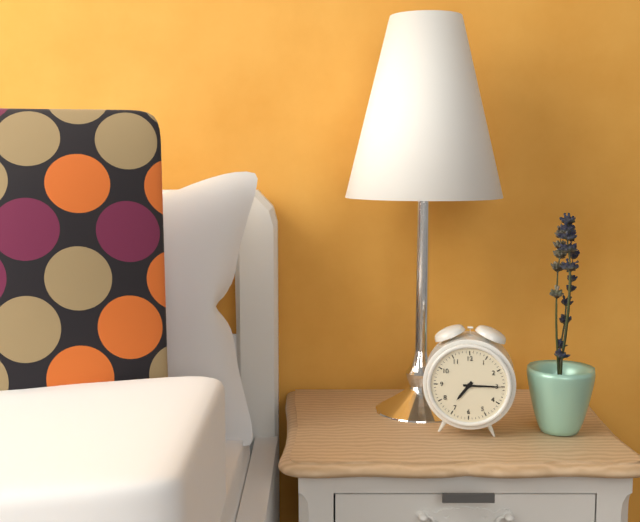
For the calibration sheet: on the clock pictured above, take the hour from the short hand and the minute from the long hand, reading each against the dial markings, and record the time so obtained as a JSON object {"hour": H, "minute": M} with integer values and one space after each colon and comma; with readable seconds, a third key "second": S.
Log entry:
{"hour": 7, "minute": 15}
